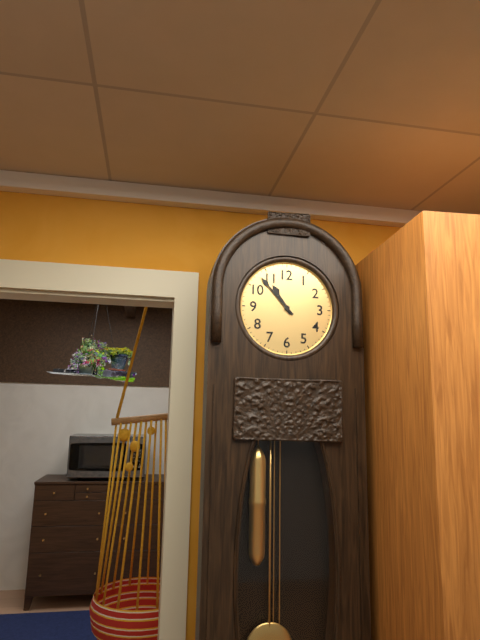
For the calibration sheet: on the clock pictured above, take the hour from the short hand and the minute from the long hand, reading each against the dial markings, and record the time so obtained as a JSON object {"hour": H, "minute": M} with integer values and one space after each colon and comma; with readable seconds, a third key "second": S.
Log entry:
{"hour": 10, "minute": 53}
